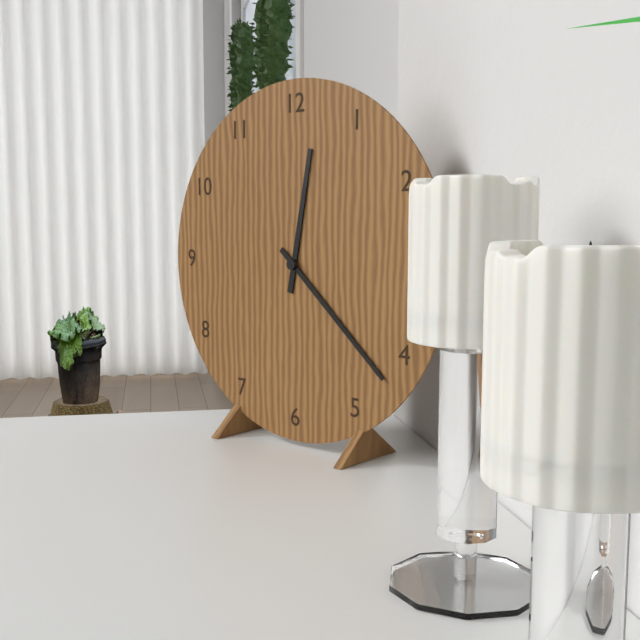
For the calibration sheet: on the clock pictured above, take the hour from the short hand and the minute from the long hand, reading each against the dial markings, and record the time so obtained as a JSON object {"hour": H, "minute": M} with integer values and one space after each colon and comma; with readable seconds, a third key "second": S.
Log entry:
{"hour": 12, "minute": 22}
